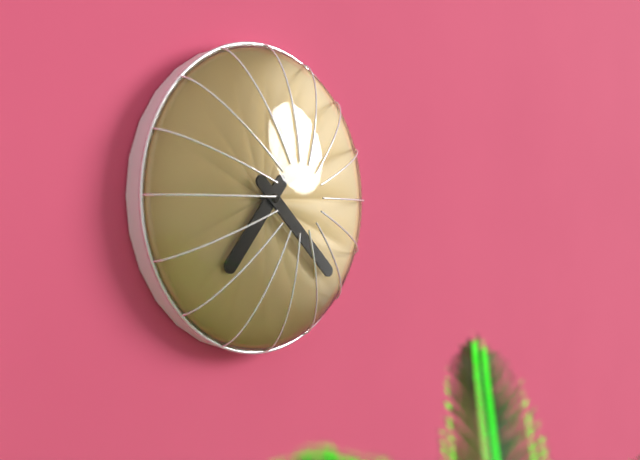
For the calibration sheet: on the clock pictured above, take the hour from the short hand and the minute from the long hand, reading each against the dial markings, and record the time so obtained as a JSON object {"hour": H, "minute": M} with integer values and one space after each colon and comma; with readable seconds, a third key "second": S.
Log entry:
{"hour": 7, "minute": 22}
